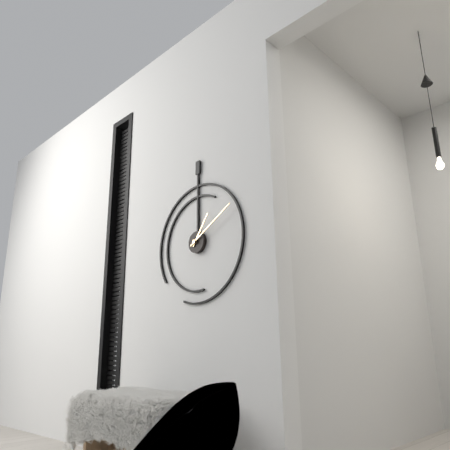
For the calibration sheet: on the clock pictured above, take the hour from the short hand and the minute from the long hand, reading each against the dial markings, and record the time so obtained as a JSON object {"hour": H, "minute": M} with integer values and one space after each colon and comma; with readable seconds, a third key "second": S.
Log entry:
{"hour": 1, "minute": 10}
